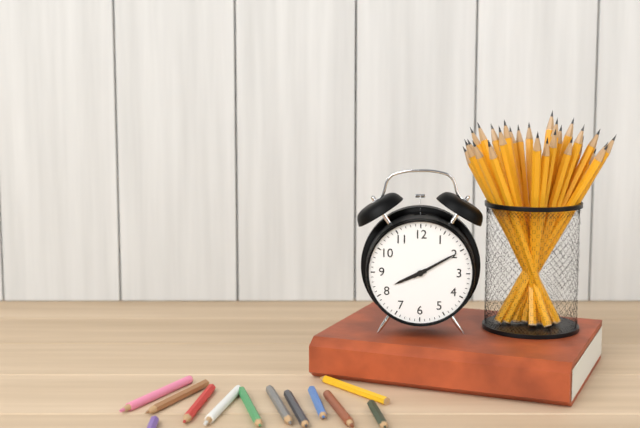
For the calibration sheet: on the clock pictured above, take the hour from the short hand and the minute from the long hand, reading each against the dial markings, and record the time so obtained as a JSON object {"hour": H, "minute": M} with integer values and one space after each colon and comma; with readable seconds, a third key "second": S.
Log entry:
{"hour": 8, "minute": 10}
